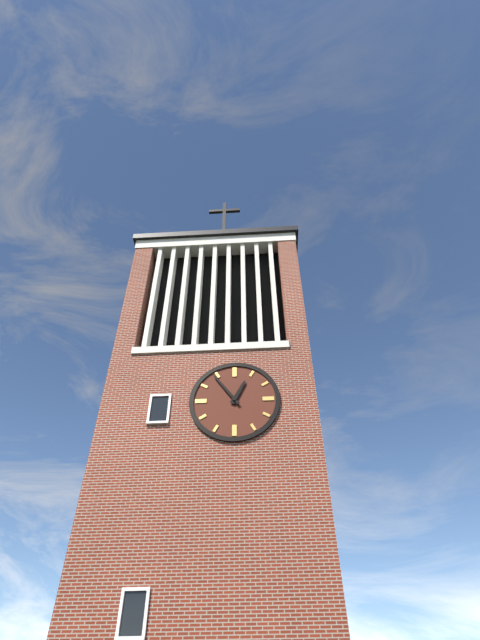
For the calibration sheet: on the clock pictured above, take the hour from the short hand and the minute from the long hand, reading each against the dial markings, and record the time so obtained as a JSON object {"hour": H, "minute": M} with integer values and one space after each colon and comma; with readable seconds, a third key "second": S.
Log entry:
{"hour": 12, "minute": 54}
